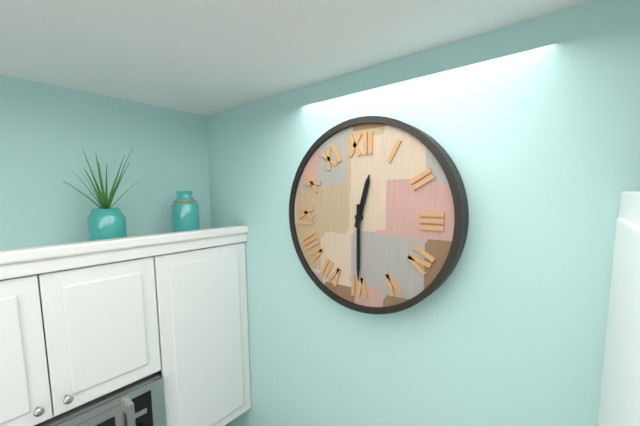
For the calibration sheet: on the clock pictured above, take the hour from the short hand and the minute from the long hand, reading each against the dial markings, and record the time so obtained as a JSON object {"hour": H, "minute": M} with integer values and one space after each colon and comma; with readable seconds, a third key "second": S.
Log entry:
{"hour": 12, "minute": 30}
